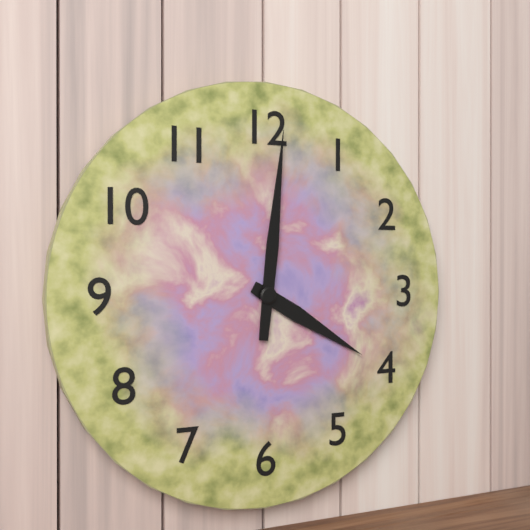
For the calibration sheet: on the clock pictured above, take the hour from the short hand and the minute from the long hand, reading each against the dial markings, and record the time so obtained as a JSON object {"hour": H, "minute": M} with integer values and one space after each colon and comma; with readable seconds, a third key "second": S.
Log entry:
{"hour": 4, "minute": 1}
